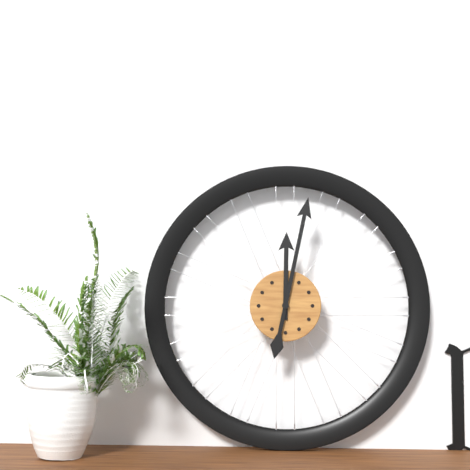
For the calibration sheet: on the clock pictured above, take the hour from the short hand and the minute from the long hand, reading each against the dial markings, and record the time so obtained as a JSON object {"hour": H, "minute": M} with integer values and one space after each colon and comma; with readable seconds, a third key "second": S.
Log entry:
{"hour": 12, "minute": 2}
